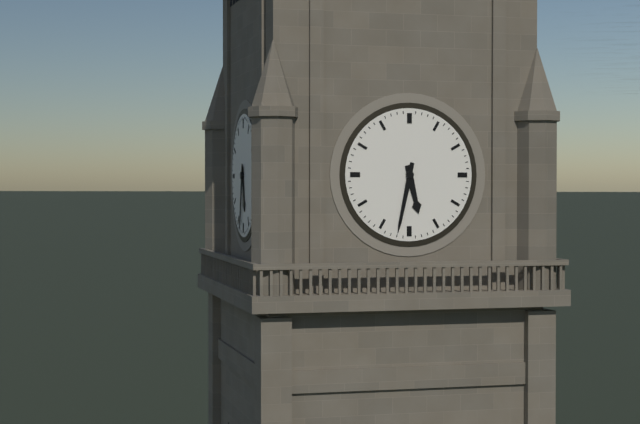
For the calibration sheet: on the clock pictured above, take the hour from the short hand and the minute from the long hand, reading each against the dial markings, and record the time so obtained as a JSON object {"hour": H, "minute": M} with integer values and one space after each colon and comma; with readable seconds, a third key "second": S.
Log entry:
{"hour": 5, "minute": 32}
